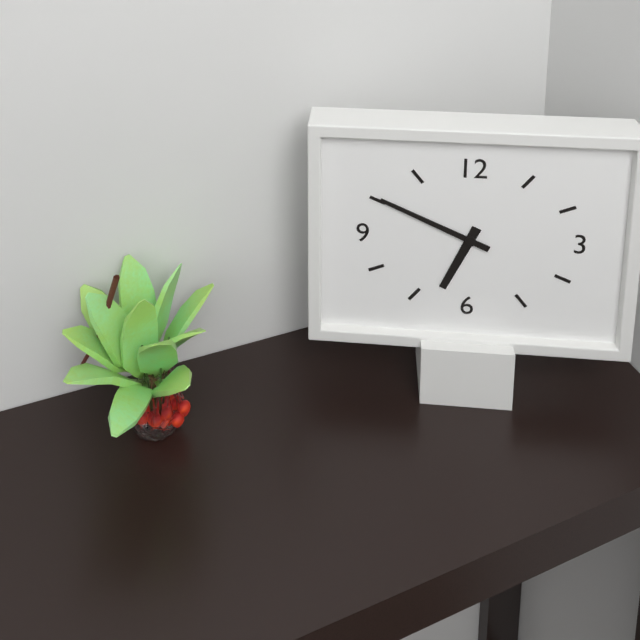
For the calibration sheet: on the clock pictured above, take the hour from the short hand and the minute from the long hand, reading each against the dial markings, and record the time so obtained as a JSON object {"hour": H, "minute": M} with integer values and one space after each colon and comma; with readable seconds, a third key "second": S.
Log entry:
{"hour": 6, "minute": 49}
